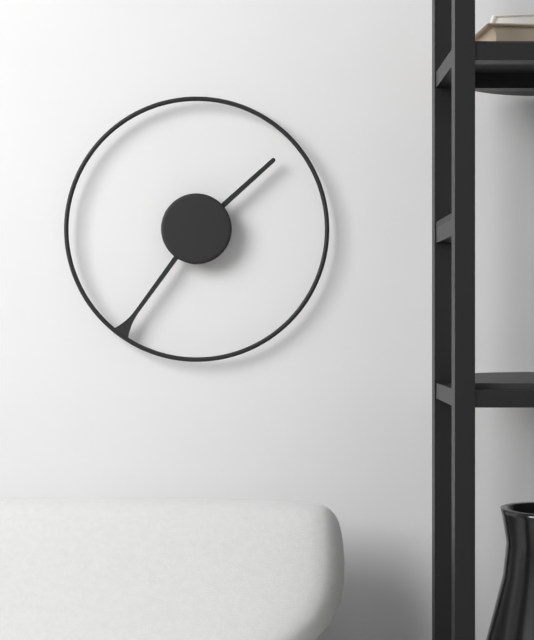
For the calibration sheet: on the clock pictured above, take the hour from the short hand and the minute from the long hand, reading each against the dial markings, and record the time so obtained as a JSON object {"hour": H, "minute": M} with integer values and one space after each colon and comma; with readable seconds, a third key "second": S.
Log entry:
{"hour": 1, "minute": 36}
